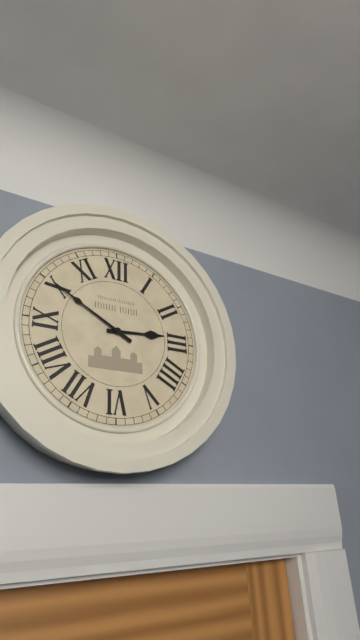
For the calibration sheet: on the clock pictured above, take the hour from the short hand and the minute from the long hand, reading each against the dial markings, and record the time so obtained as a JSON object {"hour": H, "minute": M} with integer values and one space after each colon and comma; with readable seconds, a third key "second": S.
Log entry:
{"hour": 2, "minute": 50}
